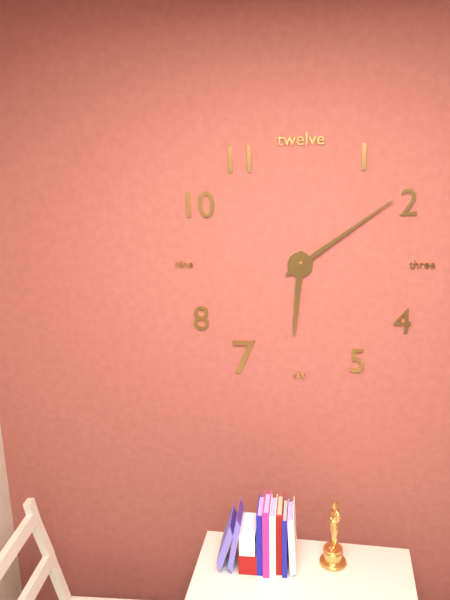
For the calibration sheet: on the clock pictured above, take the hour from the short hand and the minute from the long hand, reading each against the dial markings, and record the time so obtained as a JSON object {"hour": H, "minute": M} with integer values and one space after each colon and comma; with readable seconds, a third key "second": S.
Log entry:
{"hour": 6, "minute": 9}
